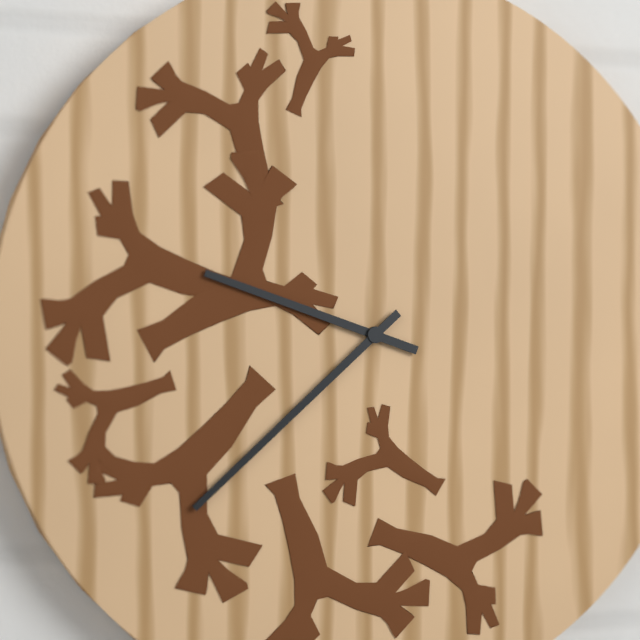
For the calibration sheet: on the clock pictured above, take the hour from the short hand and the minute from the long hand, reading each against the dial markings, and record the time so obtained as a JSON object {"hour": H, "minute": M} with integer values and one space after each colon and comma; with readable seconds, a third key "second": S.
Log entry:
{"hour": 9, "minute": 38}
